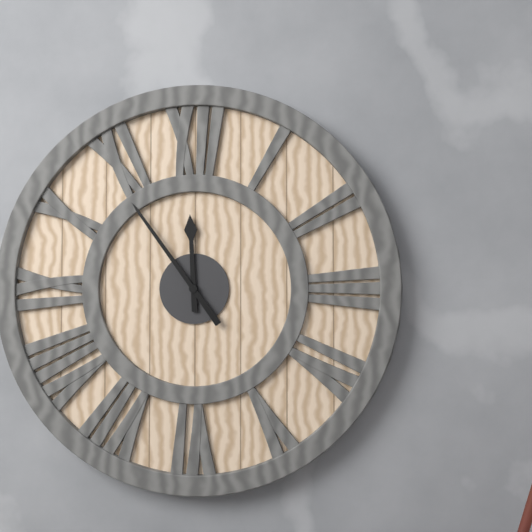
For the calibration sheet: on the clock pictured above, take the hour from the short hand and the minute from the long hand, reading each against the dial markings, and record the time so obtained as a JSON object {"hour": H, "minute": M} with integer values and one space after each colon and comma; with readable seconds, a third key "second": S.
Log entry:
{"hour": 11, "minute": 54}
